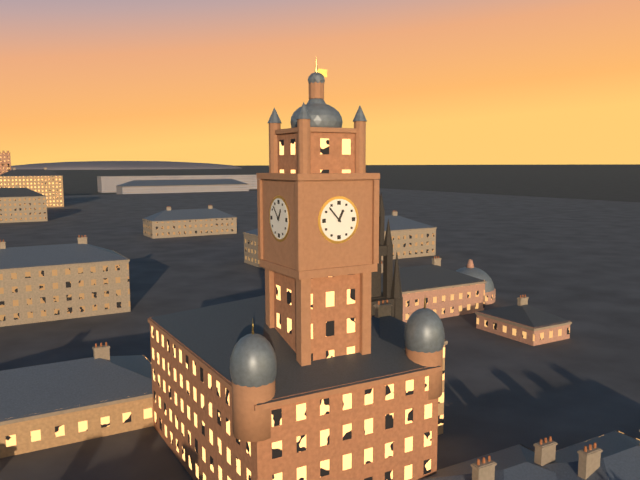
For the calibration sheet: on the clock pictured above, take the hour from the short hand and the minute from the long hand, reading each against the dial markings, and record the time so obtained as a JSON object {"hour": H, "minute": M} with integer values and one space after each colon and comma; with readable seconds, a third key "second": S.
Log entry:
{"hour": 12, "minute": 53}
